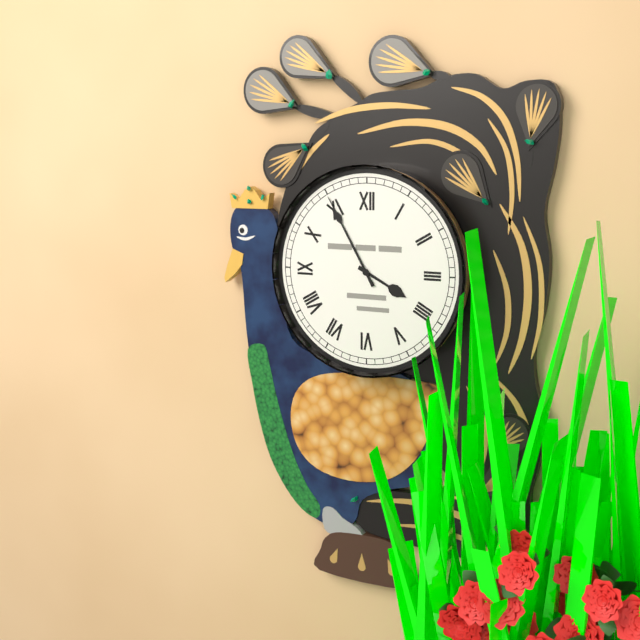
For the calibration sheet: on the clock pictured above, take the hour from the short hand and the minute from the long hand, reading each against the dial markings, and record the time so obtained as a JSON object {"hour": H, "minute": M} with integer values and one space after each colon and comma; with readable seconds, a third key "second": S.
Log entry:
{"hour": 3, "minute": 55}
